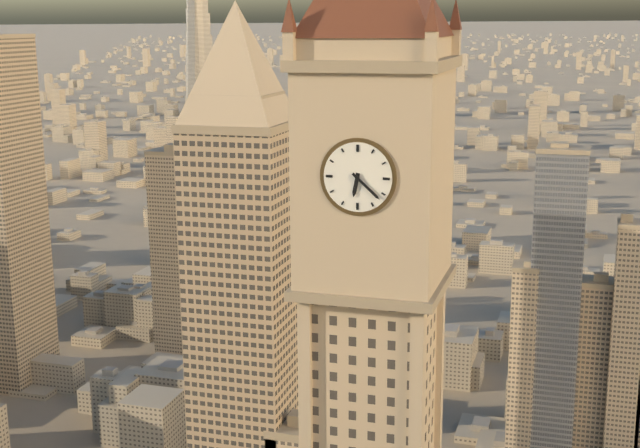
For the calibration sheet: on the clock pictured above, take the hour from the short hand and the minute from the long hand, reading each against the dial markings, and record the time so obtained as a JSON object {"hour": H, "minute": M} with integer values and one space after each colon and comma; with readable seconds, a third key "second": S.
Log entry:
{"hour": 6, "minute": 22}
